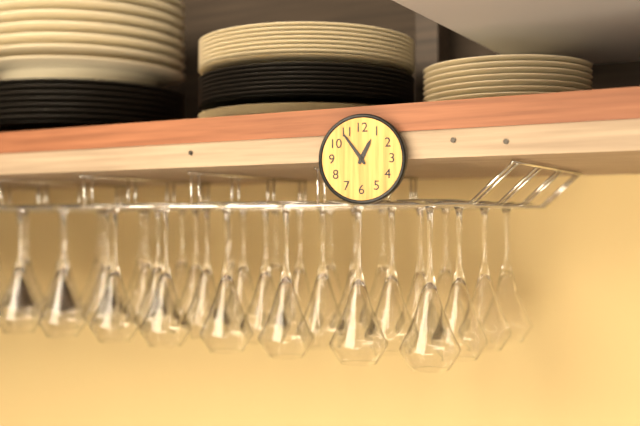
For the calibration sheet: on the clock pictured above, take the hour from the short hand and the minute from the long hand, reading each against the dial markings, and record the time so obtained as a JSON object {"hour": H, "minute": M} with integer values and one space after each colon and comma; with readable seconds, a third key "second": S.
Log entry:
{"hour": 12, "minute": 54}
